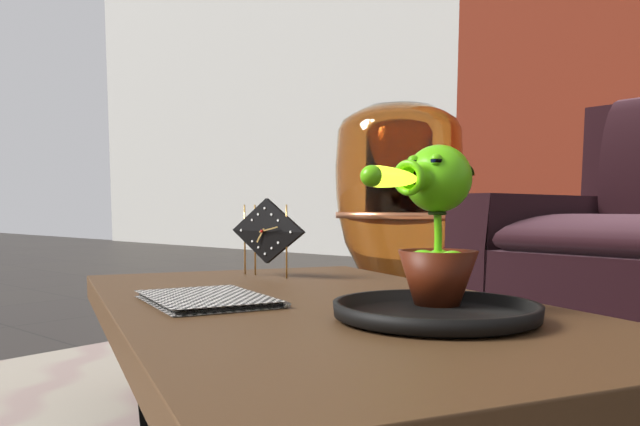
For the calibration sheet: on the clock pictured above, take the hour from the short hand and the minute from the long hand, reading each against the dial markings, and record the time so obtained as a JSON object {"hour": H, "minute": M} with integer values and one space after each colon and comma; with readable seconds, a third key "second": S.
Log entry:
{"hour": 7, "minute": 13}
